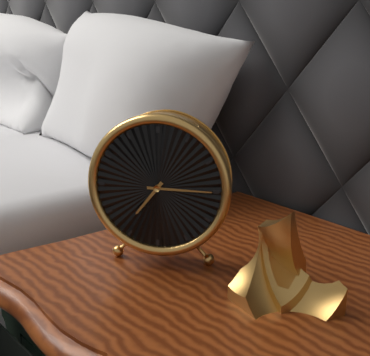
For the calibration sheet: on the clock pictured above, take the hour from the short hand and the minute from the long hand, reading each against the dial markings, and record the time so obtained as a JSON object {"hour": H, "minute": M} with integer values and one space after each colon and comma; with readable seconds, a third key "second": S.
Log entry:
{"hour": 7, "minute": 15}
